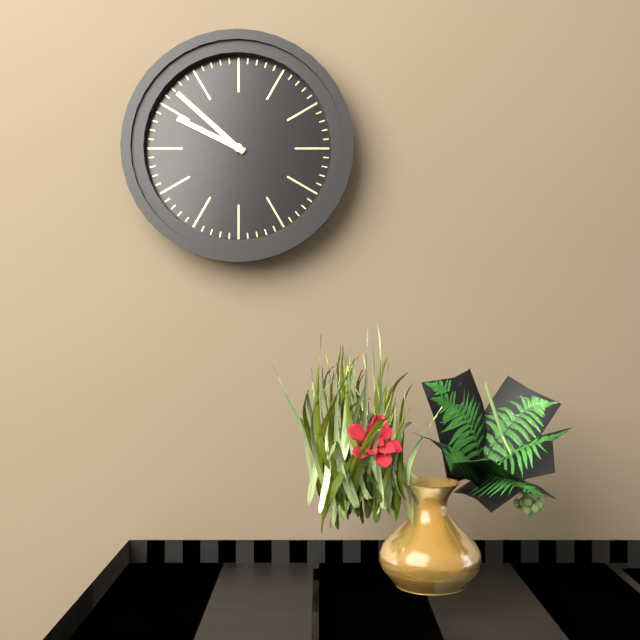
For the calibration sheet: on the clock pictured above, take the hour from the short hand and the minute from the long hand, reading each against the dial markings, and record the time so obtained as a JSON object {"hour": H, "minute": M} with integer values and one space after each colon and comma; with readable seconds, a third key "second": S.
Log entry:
{"hour": 9, "minute": 52}
